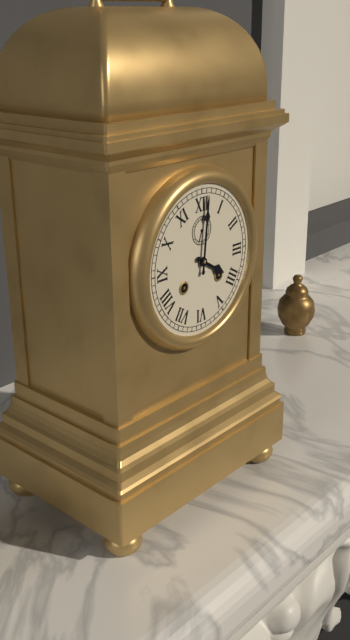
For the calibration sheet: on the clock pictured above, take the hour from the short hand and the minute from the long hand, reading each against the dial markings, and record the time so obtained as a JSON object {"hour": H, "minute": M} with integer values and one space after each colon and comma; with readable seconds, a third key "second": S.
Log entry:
{"hour": 4, "minute": 1}
